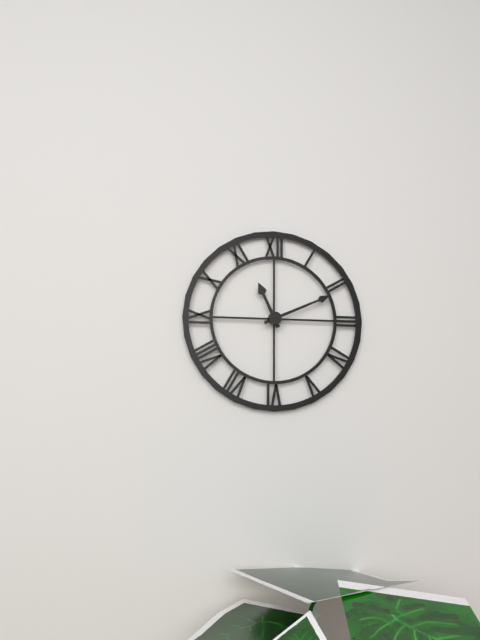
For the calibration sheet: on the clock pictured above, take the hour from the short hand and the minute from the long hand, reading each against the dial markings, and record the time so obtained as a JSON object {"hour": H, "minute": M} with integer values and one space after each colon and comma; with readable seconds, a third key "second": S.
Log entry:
{"hour": 11, "minute": 11}
